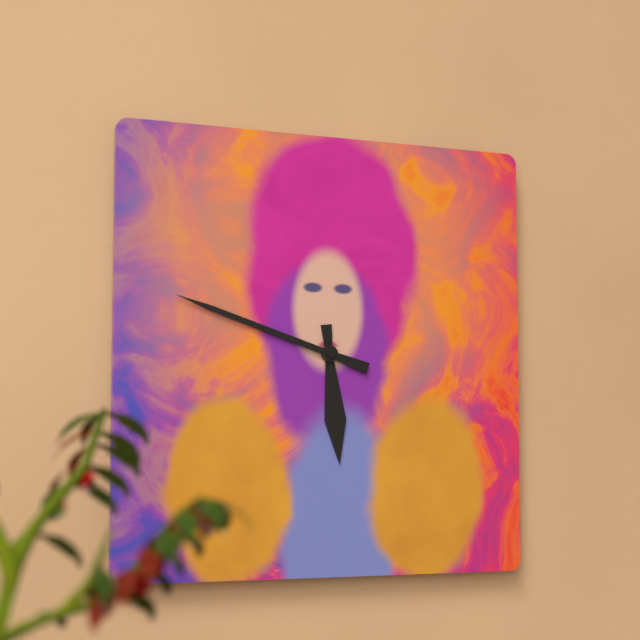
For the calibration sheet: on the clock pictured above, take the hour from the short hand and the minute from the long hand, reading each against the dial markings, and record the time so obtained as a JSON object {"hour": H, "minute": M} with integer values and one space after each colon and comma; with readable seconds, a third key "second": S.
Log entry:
{"hour": 5, "minute": 48}
